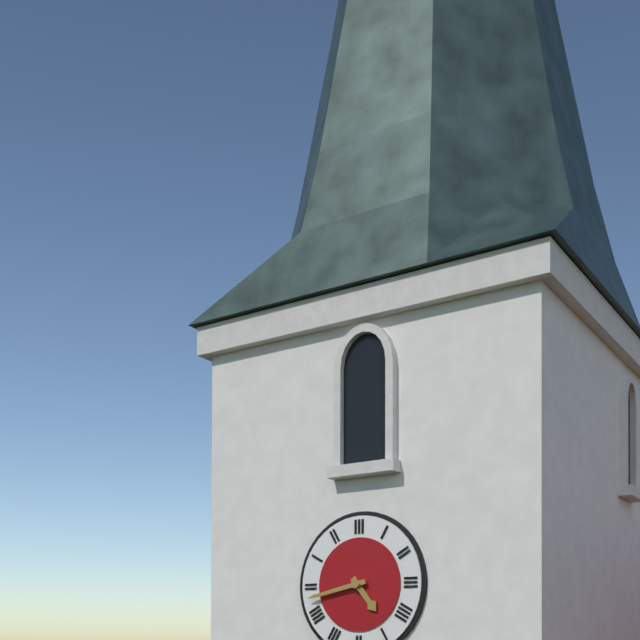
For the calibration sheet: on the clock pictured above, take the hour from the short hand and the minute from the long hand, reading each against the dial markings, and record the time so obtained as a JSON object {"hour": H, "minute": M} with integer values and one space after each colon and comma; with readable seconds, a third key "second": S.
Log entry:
{"hour": 4, "minute": 43}
